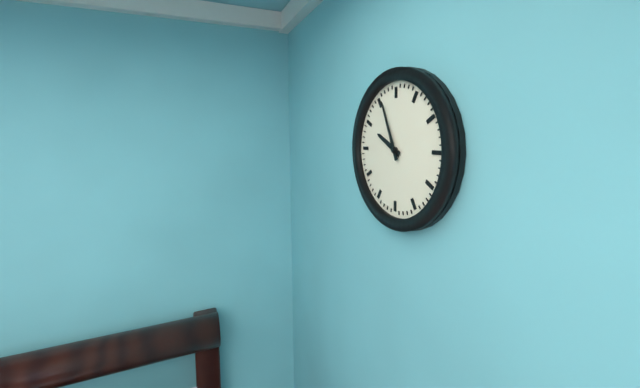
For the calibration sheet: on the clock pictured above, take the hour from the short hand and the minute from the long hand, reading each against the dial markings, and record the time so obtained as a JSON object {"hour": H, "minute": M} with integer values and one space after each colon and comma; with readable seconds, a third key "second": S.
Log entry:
{"hour": 9, "minute": 56}
